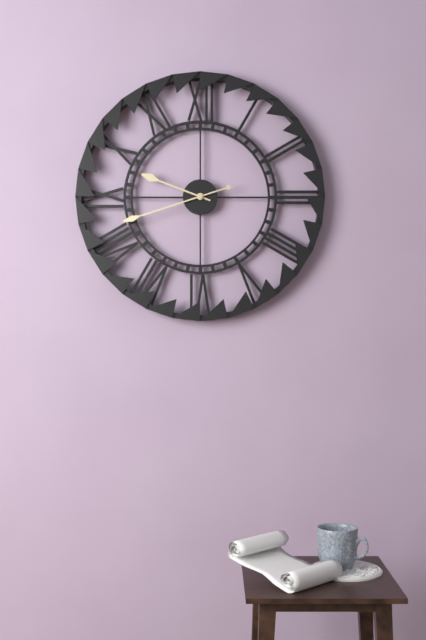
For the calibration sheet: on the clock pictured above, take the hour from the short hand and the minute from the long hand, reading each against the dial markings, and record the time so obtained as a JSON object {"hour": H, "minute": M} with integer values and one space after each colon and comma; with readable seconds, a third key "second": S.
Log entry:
{"hour": 9, "minute": 42}
